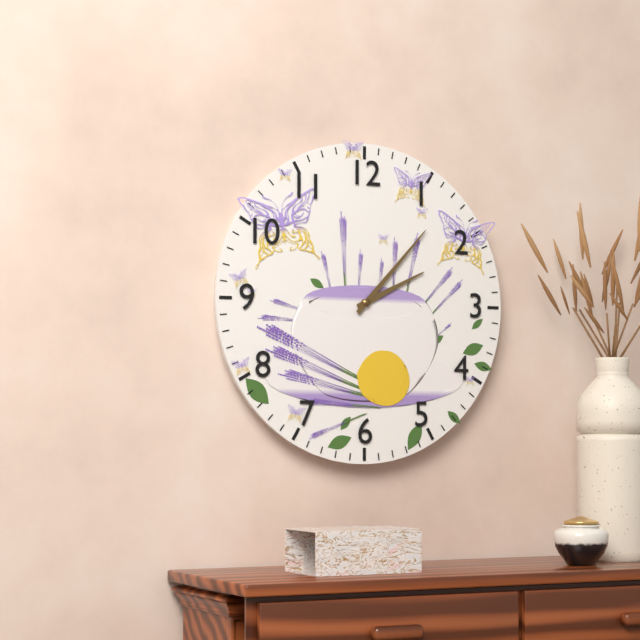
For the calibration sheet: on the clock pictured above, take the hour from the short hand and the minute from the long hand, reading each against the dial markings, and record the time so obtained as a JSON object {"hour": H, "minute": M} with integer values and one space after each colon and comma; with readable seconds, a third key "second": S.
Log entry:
{"hour": 2, "minute": 7}
